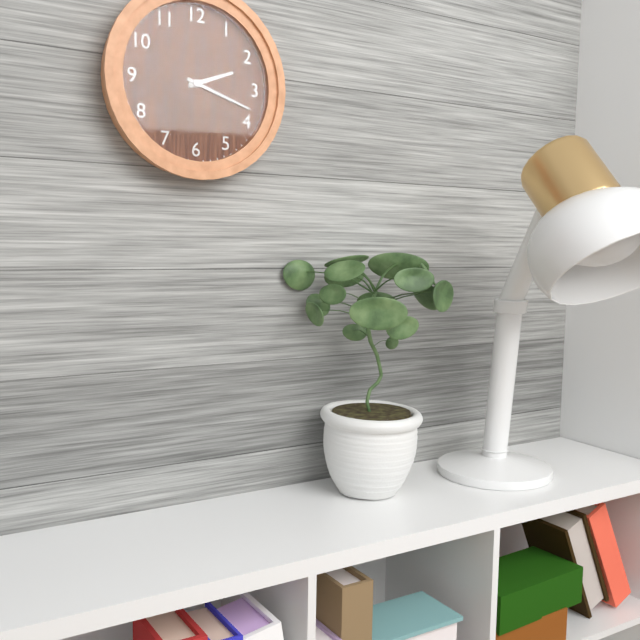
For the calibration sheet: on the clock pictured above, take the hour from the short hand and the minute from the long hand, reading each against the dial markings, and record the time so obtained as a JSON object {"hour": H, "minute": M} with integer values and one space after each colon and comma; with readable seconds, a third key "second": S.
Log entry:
{"hour": 2, "minute": 18}
